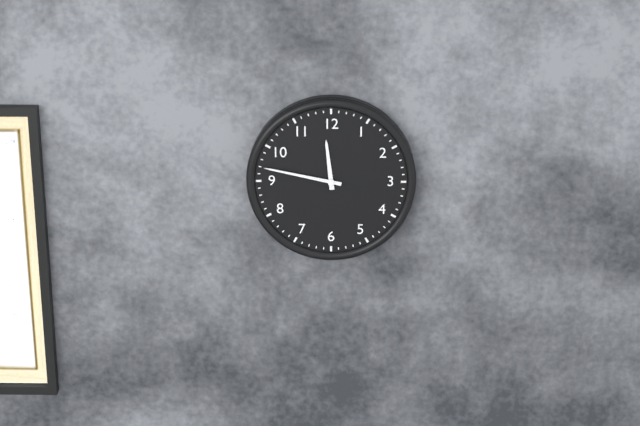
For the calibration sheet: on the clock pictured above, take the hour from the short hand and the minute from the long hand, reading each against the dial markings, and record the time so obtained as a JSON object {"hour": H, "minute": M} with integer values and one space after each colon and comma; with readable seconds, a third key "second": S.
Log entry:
{"hour": 11, "minute": 47}
